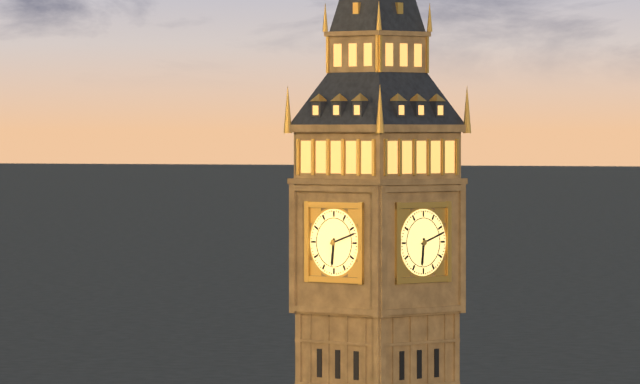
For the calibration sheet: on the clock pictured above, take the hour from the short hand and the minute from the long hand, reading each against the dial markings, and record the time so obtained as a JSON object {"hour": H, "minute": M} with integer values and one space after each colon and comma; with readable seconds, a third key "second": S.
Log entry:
{"hour": 6, "minute": 12}
